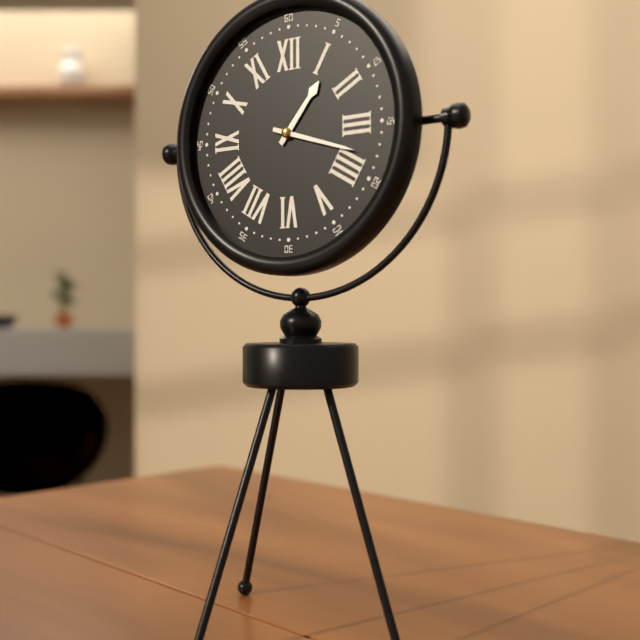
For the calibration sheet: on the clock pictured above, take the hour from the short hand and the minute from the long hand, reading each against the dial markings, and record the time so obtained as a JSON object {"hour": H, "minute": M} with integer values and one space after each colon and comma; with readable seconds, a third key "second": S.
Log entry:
{"hour": 1, "minute": 18}
